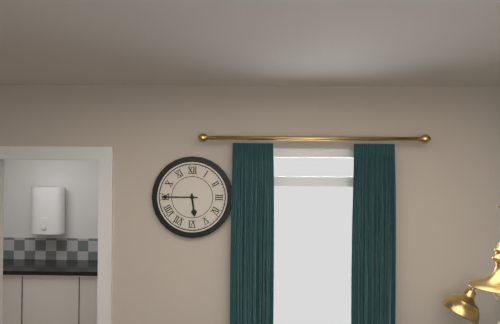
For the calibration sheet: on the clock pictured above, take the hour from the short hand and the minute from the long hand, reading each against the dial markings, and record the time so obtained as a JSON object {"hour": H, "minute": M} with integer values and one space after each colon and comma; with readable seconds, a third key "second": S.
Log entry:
{"hour": 5, "minute": 45}
